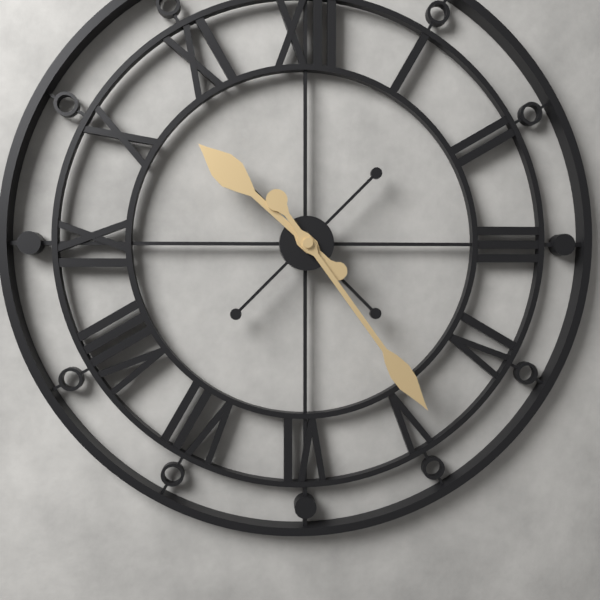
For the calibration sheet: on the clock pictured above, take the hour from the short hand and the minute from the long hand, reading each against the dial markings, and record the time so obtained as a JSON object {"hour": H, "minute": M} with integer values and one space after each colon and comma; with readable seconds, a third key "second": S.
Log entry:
{"hour": 10, "minute": 24}
